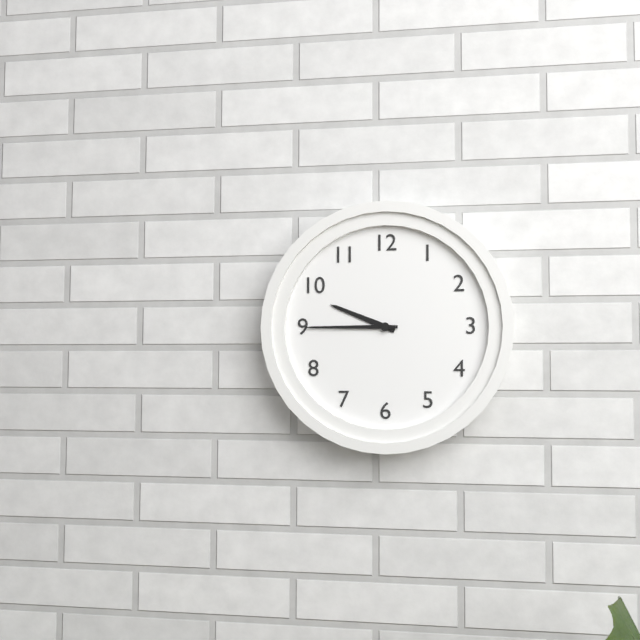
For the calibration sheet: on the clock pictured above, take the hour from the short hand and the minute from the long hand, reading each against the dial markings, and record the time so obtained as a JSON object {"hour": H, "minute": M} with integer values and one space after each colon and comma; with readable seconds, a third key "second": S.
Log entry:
{"hour": 9, "minute": 45}
